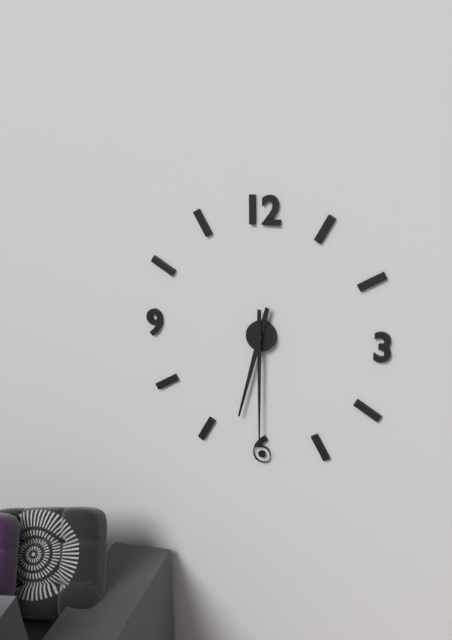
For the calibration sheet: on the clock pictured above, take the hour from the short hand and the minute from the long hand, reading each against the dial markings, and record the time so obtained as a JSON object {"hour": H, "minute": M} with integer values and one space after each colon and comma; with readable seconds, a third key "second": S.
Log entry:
{"hour": 6, "minute": 30}
